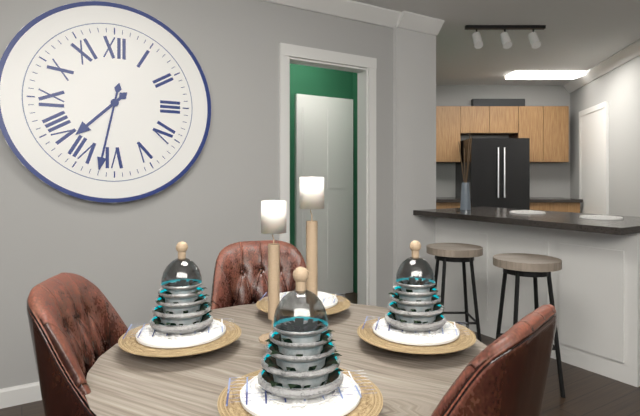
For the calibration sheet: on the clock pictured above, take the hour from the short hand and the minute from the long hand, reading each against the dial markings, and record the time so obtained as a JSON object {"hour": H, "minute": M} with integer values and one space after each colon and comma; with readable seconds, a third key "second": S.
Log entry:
{"hour": 7, "minute": 32}
